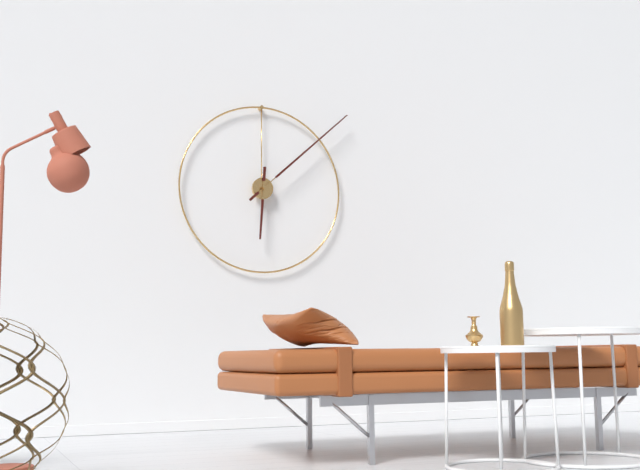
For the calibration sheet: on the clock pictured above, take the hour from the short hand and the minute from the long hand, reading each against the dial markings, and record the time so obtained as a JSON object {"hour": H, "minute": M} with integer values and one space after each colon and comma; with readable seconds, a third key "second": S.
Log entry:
{"hour": 6, "minute": 8}
